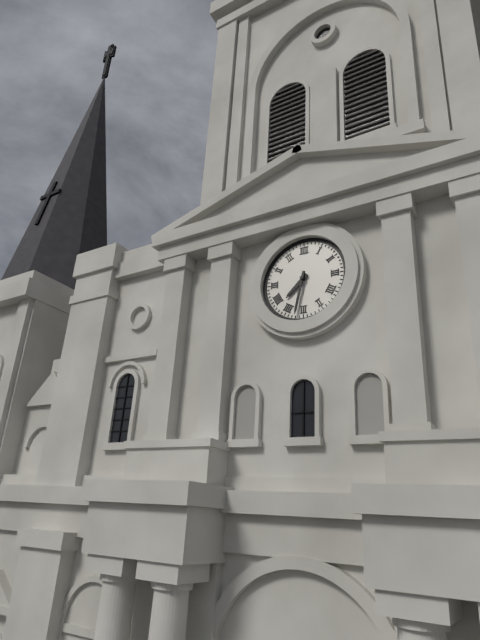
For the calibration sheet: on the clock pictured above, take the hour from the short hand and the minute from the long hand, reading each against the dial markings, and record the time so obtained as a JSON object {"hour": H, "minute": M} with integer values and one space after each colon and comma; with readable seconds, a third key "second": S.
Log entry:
{"hour": 7, "minute": 32}
